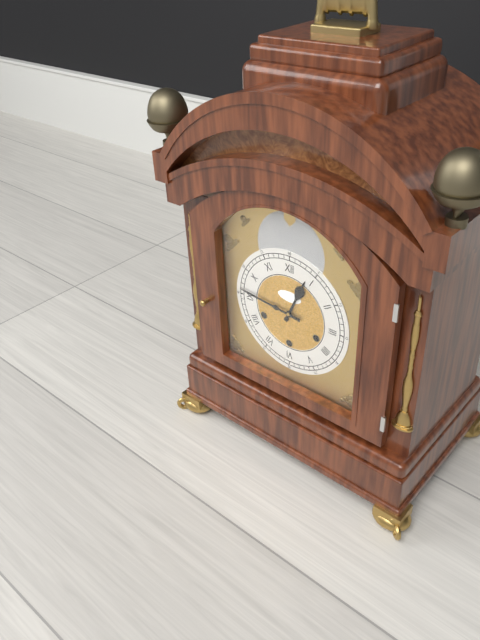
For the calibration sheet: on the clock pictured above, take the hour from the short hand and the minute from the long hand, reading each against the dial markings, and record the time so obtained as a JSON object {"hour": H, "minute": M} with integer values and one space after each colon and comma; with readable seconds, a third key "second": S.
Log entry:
{"hour": 12, "minute": 46}
